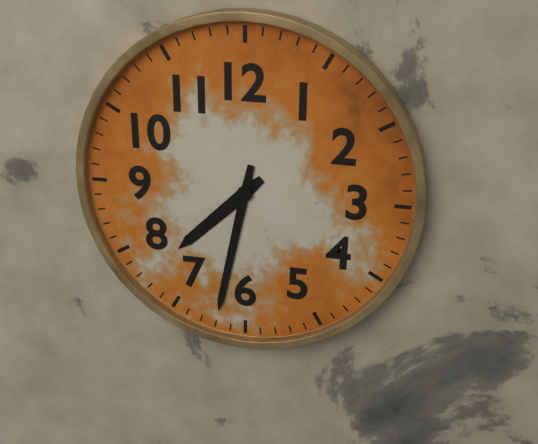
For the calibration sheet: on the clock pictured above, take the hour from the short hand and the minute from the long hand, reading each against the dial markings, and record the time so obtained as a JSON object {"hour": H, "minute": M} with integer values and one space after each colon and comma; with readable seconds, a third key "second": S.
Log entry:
{"hour": 7, "minute": 32}
